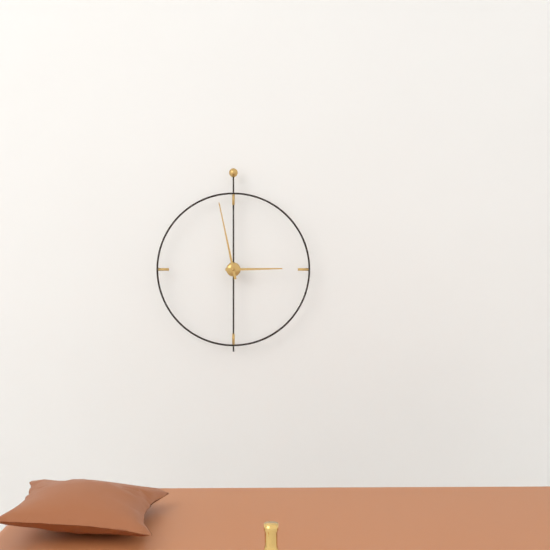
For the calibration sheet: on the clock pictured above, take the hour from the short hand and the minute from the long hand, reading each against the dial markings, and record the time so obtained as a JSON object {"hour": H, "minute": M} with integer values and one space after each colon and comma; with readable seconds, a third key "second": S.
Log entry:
{"hour": 2, "minute": 58}
